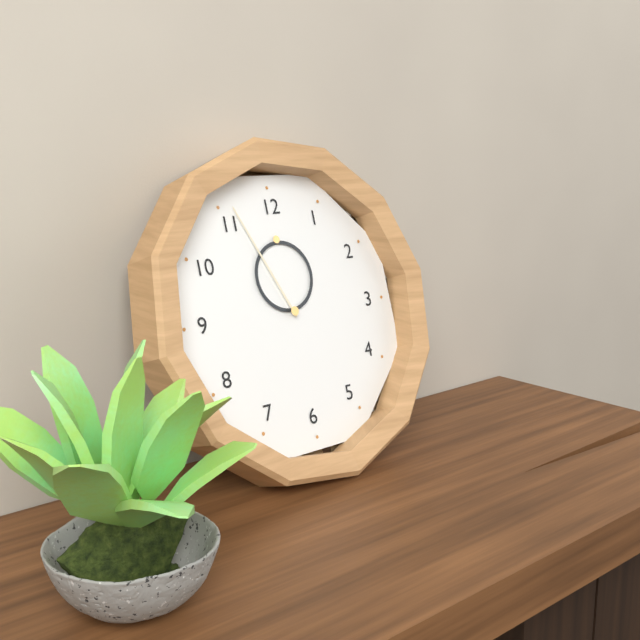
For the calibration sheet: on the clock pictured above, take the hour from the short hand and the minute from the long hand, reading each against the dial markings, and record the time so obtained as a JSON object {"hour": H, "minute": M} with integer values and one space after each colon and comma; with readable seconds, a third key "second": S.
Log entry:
{"hour": 11, "minute": 56}
